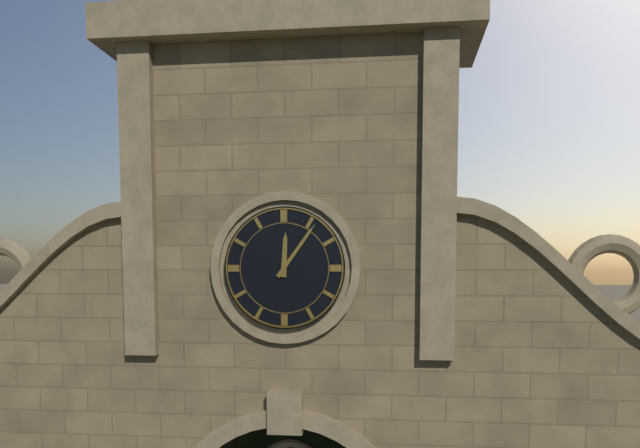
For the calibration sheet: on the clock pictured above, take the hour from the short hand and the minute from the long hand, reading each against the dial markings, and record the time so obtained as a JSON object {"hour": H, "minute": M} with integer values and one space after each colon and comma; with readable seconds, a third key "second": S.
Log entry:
{"hour": 12, "minute": 6}
